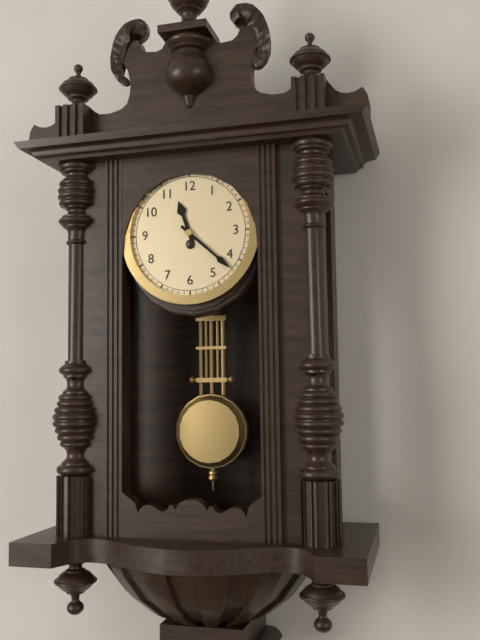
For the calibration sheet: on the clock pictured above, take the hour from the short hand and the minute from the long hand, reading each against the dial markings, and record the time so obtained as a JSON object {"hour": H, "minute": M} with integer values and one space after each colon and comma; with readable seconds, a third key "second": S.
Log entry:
{"hour": 11, "minute": 22}
